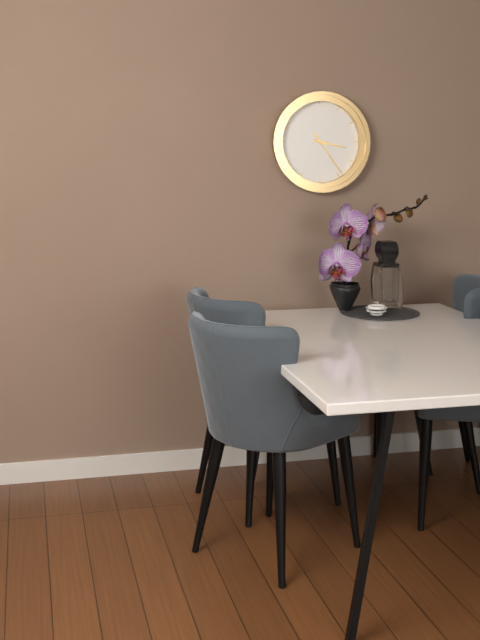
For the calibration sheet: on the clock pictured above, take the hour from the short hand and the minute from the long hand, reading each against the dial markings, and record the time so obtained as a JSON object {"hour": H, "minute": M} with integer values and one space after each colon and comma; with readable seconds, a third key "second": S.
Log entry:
{"hour": 3, "minute": 24}
